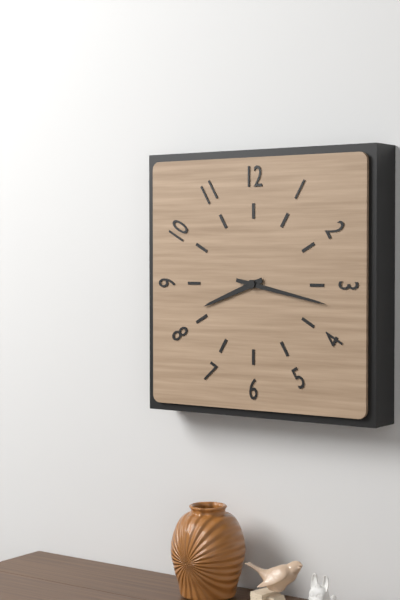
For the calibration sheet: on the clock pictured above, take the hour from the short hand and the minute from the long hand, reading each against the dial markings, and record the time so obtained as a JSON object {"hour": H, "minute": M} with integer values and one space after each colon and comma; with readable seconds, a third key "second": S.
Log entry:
{"hour": 8, "minute": 17}
